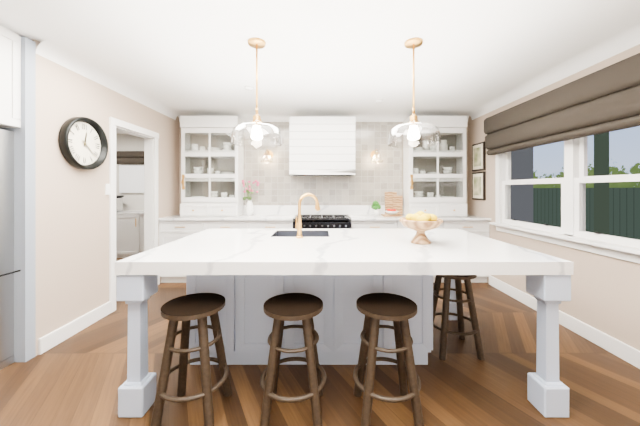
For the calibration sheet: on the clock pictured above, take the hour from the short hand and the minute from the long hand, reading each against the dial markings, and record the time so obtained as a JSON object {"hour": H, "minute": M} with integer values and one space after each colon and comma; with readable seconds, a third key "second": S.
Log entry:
{"hour": 12, "minute": 22}
